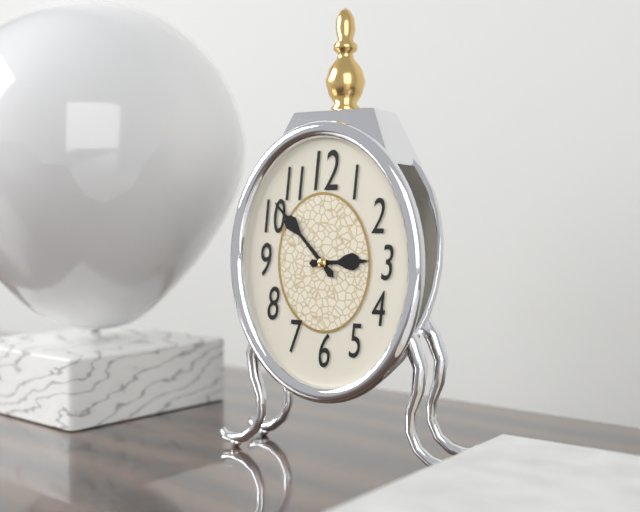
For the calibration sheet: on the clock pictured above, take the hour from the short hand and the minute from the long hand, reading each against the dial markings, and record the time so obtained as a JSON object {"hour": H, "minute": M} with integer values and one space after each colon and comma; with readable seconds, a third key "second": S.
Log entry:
{"hour": 2, "minute": 53}
